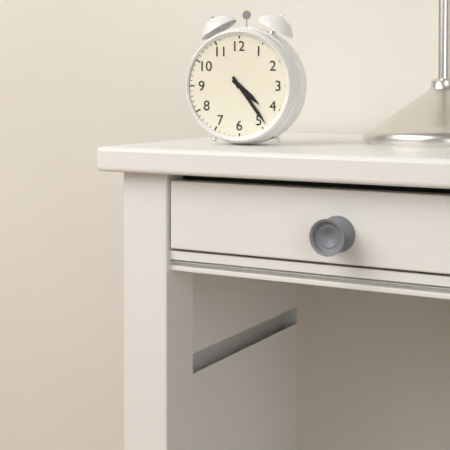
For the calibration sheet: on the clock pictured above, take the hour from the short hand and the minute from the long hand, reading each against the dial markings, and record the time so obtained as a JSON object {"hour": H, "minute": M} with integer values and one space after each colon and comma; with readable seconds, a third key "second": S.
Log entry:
{"hour": 4, "minute": 24}
